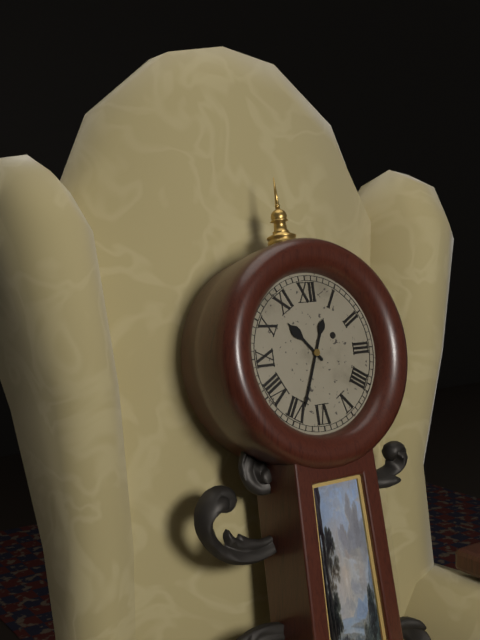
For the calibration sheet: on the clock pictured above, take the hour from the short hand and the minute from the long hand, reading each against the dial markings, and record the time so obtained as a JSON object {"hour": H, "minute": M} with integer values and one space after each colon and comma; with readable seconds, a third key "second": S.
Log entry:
{"hour": 10, "minute": 34}
